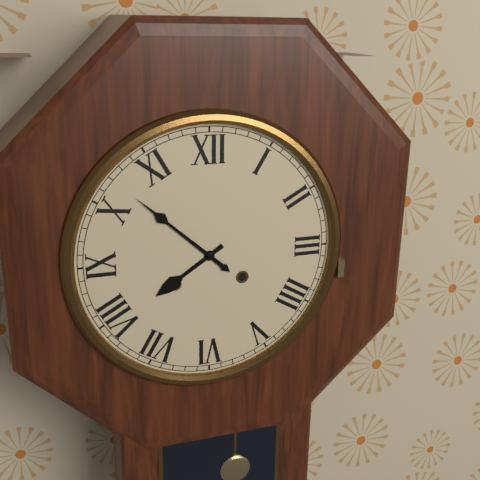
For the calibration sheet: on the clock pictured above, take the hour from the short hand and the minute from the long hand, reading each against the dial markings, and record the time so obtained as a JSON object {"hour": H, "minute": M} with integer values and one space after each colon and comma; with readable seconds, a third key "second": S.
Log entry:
{"hour": 7, "minute": 52}
